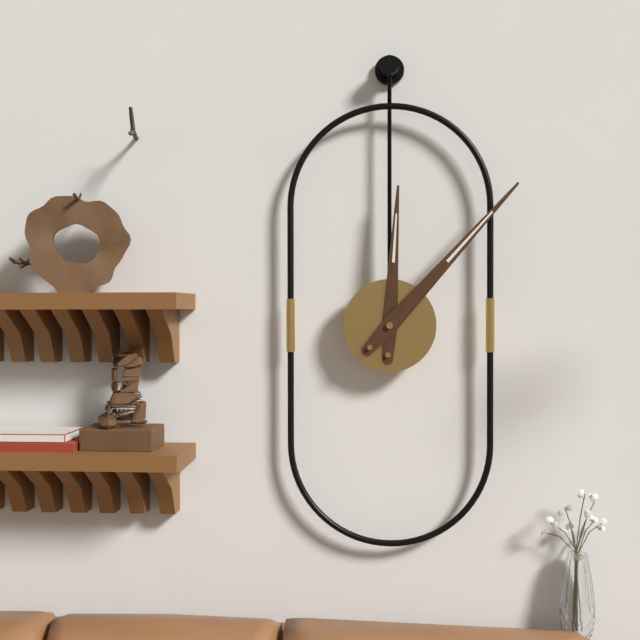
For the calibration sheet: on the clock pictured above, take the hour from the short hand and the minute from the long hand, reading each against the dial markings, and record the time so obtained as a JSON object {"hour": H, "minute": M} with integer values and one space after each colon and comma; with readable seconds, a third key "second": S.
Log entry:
{"hour": 12, "minute": 7}
